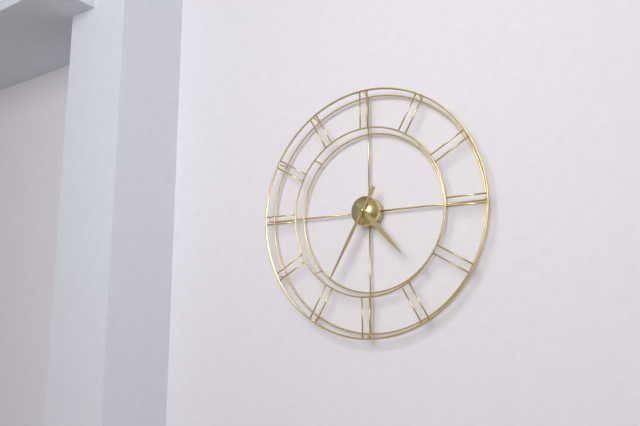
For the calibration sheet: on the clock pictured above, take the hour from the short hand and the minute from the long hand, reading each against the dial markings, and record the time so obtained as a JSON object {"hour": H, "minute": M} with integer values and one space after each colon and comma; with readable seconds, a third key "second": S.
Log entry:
{"hour": 4, "minute": 35}
